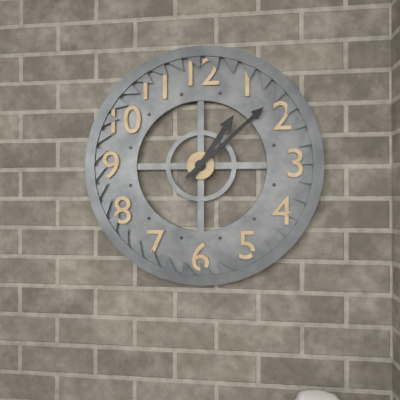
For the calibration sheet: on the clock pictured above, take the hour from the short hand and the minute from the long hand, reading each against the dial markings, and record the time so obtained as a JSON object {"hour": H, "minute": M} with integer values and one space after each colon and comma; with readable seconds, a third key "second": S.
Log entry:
{"hour": 1, "minute": 8}
